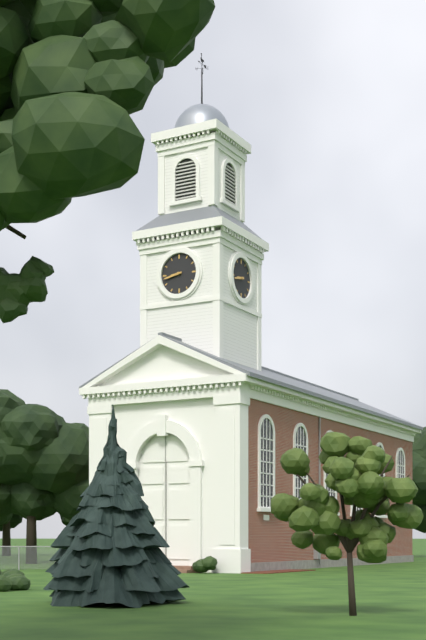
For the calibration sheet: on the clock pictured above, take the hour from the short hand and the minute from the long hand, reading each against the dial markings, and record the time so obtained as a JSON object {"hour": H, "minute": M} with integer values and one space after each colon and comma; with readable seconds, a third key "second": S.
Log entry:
{"hour": 8, "minute": 43}
